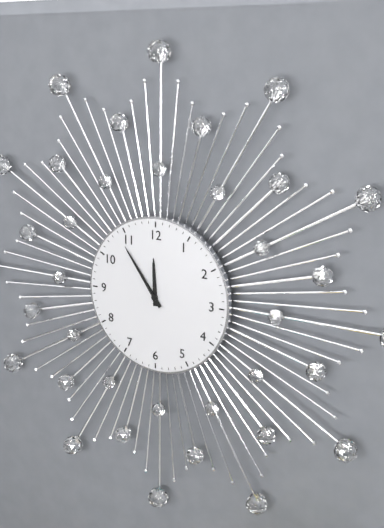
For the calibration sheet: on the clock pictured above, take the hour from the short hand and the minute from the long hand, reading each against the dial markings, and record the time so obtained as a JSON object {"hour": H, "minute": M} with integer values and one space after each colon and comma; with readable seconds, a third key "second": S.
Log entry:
{"hour": 11, "minute": 54}
